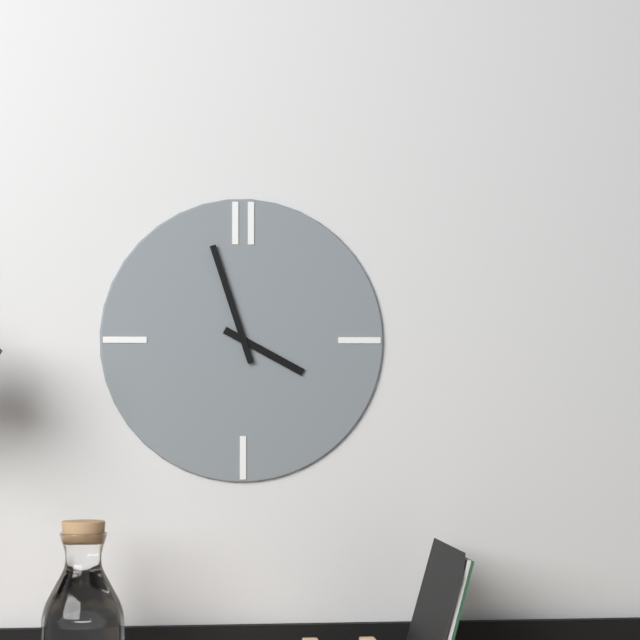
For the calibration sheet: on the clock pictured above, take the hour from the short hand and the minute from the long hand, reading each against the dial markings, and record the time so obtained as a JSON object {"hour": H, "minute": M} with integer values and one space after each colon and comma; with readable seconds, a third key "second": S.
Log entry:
{"hour": 3, "minute": 57}
